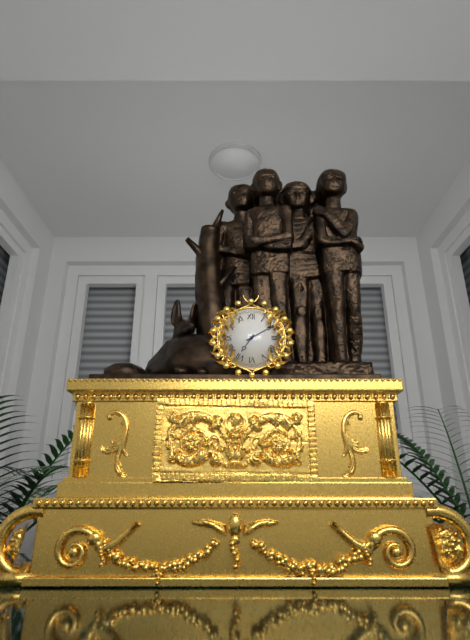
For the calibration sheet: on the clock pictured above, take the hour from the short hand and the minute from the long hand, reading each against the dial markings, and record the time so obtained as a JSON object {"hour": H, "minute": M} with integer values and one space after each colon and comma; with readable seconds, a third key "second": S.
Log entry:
{"hour": 7, "minute": 10}
